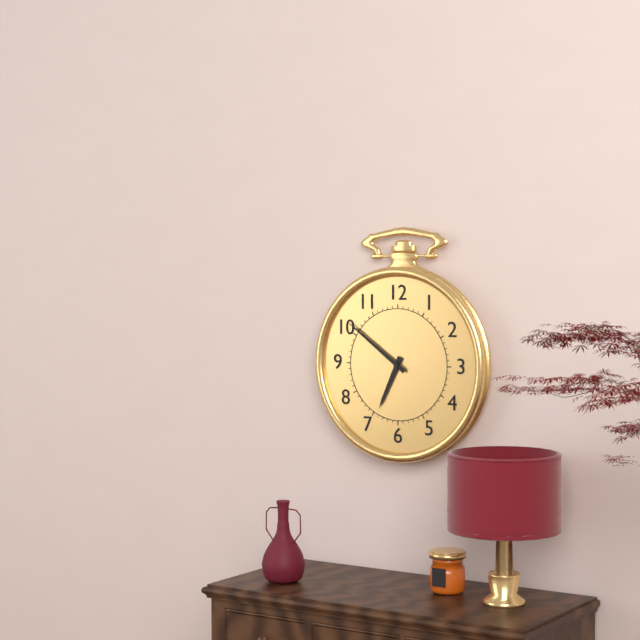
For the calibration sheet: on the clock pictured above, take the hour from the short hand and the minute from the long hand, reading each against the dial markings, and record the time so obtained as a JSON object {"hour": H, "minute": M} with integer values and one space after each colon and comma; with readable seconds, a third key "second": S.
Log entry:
{"hour": 6, "minute": 51}
